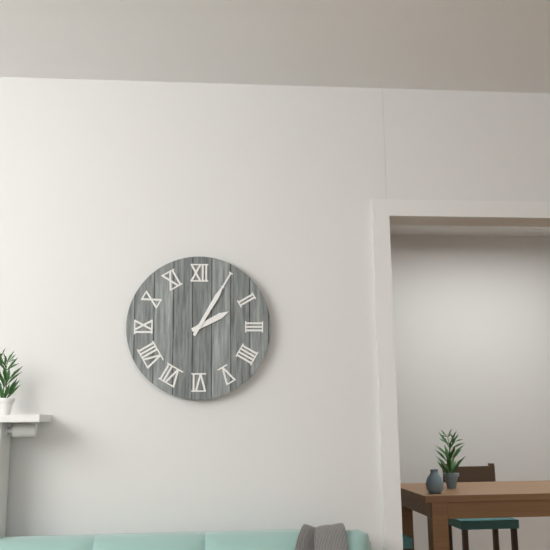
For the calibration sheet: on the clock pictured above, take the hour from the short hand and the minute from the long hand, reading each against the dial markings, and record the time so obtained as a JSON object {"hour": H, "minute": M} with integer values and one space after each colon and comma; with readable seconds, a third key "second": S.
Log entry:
{"hour": 2, "minute": 5}
